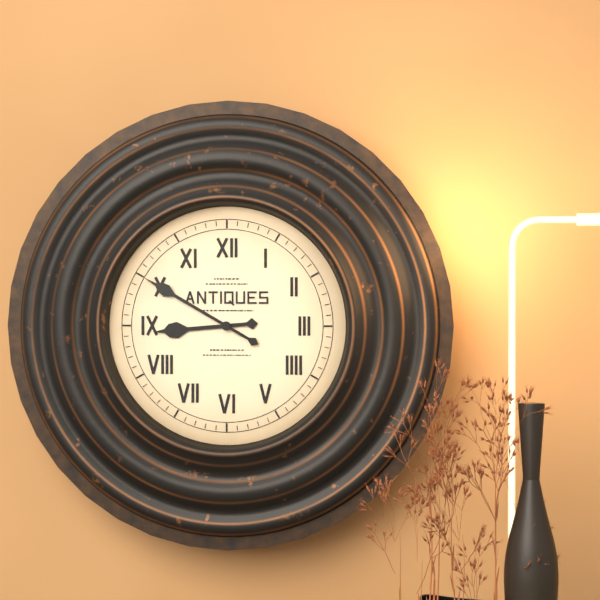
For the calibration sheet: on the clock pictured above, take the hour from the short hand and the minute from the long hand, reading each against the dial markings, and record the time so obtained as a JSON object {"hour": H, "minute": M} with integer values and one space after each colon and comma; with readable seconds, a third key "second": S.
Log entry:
{"hour": 8, "minute": 50}
